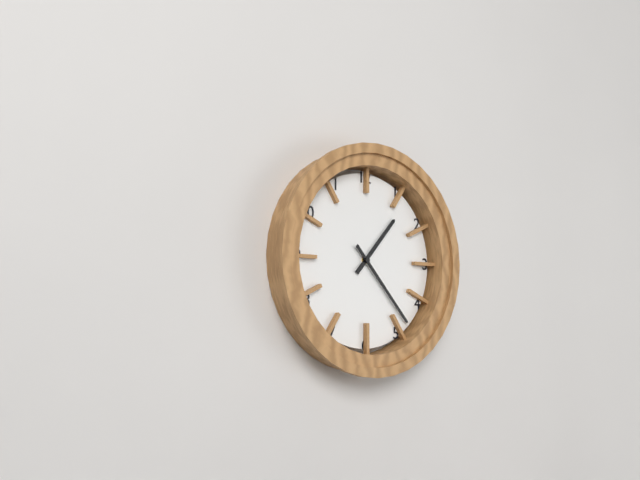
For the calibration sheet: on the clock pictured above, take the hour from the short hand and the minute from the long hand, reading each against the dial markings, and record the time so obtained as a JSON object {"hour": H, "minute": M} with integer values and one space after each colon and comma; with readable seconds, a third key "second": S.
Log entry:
{"hour": 1, "minute": 23}
